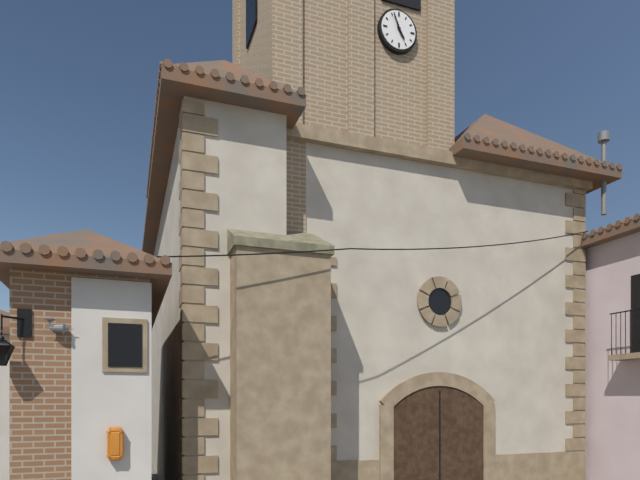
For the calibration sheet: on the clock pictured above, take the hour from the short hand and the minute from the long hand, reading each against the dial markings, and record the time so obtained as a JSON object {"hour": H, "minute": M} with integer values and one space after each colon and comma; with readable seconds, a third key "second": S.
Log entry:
{"hour": 4, "minute": 56}
